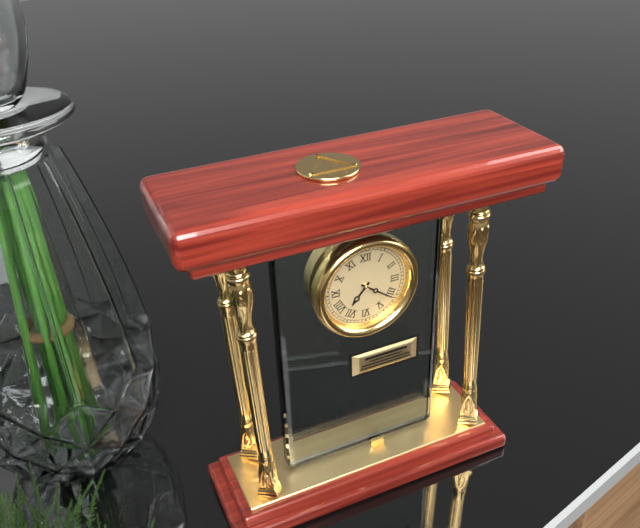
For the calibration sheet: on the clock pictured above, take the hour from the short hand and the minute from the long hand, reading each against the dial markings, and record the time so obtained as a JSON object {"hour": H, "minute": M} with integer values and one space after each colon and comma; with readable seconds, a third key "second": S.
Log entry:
{"hour": 7, "minute": 21}
